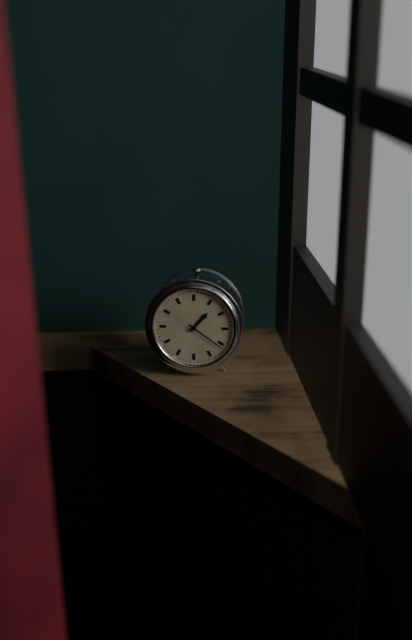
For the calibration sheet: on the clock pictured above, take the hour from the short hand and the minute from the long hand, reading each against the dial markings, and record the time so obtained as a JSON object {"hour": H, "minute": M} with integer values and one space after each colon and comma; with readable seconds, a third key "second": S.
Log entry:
{"hour": 1, "minute": 21}
